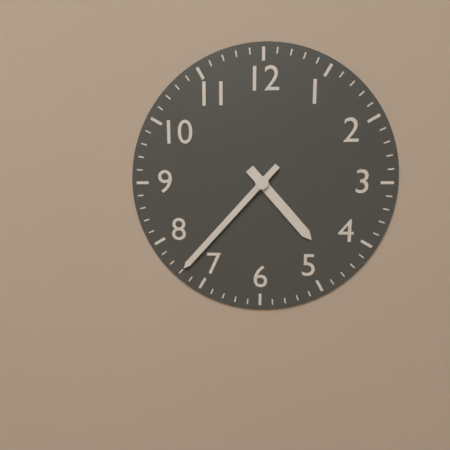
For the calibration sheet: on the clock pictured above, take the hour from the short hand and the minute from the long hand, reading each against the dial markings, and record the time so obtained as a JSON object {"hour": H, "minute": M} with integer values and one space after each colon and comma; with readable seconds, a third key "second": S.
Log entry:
{"hour": 4, "minute": 37}
